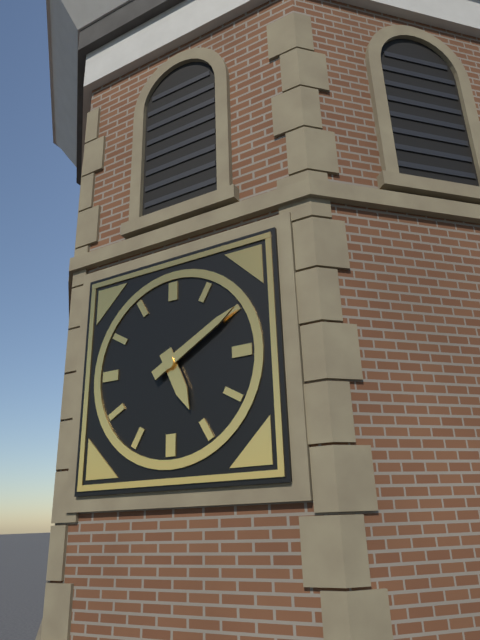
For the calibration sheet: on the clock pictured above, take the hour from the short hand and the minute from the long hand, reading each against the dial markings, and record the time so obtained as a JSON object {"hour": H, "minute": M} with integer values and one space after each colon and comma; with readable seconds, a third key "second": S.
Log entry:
{"hour": 5, "minute": 10}
